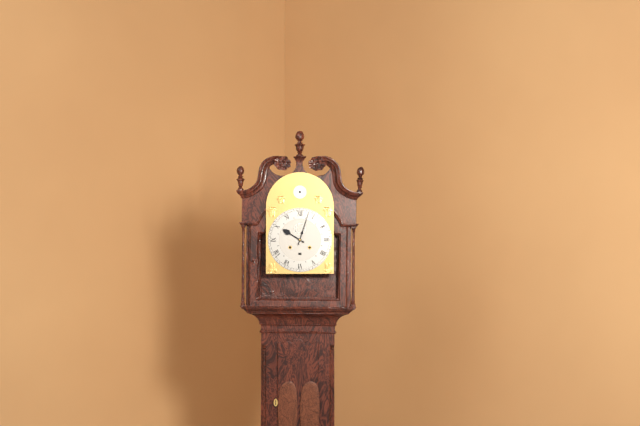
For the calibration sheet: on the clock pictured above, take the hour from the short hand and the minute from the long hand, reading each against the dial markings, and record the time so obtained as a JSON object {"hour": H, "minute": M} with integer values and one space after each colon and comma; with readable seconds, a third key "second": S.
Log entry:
{"hour": 10, "minute": 3}
